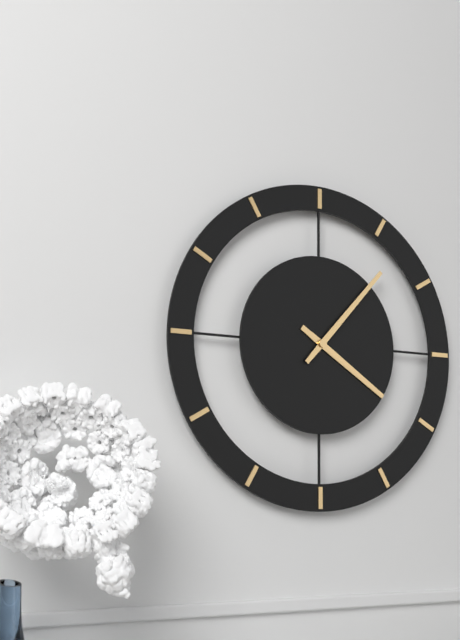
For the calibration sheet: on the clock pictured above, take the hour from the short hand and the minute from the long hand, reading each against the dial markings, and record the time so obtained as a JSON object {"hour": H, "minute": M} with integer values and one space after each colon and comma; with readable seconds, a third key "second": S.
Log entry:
{"hour": 4, "minute": 7}
